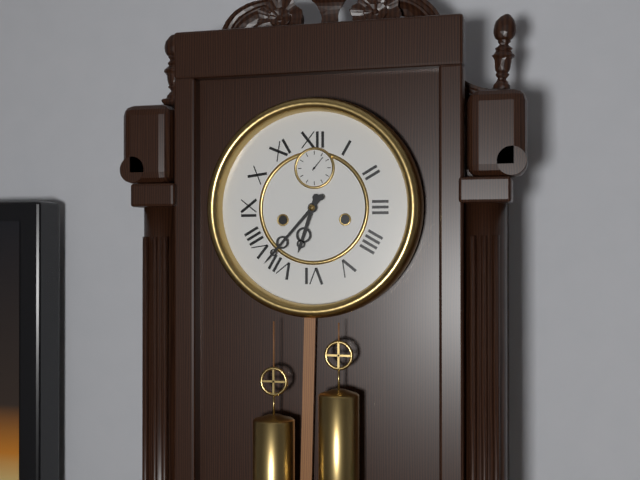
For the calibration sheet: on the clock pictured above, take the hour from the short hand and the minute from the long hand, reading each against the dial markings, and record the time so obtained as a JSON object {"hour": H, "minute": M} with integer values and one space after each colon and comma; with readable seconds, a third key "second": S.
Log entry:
{"hour": 6, "minute": 37}
